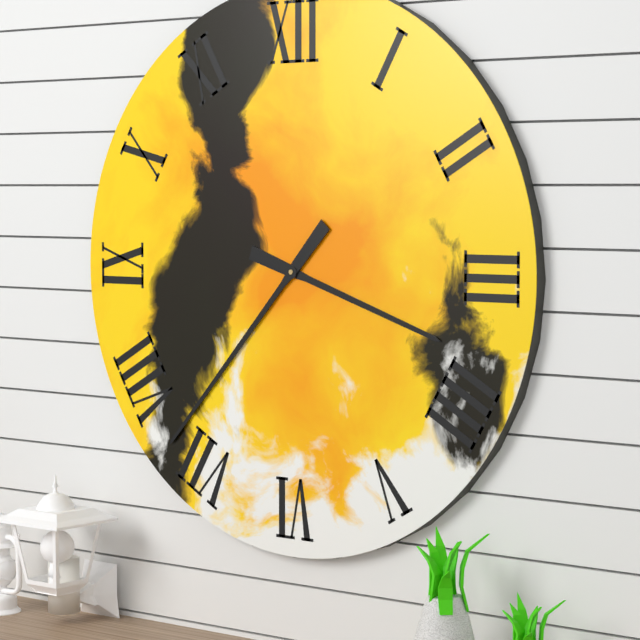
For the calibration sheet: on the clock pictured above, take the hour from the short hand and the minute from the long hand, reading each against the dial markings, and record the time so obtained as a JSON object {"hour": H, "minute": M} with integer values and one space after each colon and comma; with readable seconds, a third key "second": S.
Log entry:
{"hour": 3, "minute": 37}
